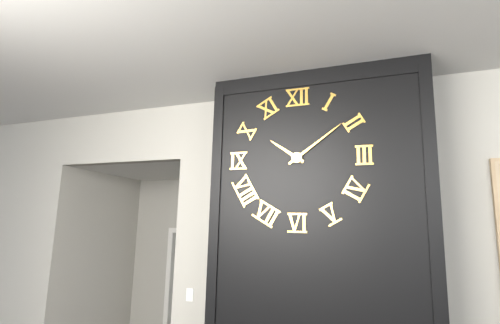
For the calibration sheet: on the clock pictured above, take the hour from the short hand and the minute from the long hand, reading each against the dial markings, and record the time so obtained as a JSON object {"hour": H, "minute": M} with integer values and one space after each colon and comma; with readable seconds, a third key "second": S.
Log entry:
{"hour": 10, "minute": 9}
